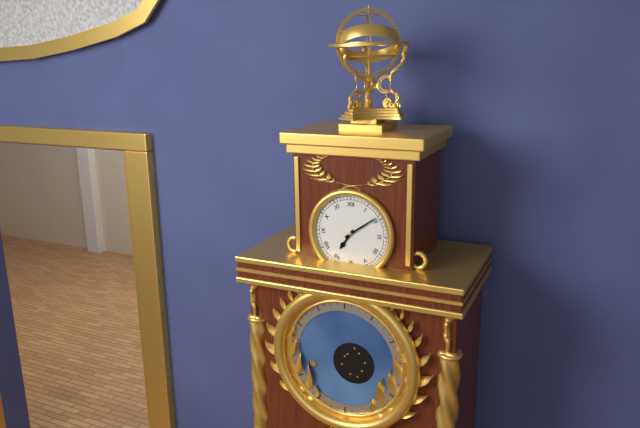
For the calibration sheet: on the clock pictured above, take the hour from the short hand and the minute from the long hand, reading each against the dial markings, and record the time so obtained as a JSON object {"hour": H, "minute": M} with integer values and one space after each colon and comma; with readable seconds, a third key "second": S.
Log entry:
{"hour": 7, "minute": 9}
